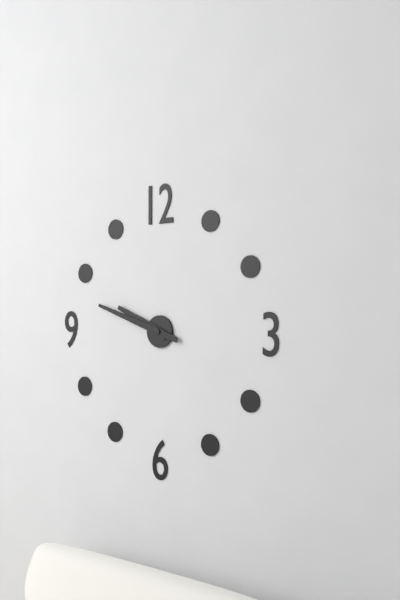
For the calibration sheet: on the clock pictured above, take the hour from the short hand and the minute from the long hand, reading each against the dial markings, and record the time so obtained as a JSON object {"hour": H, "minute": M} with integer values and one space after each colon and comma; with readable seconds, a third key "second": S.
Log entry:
{"hour": 9, "minute": 48}
